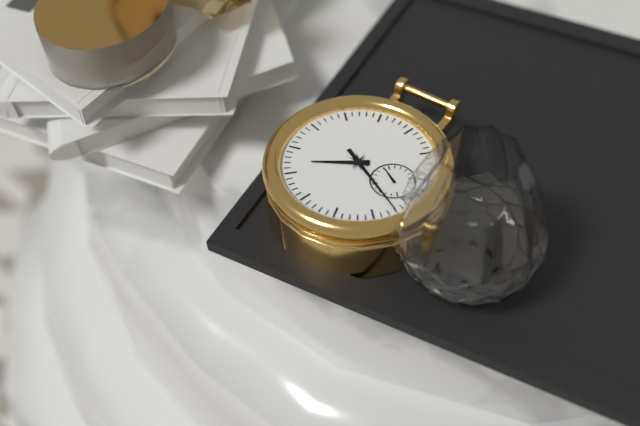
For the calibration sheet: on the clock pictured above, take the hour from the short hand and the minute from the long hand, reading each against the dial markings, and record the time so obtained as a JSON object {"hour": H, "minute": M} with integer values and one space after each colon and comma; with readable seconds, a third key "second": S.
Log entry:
{"hour": 9, "minute": 27}
